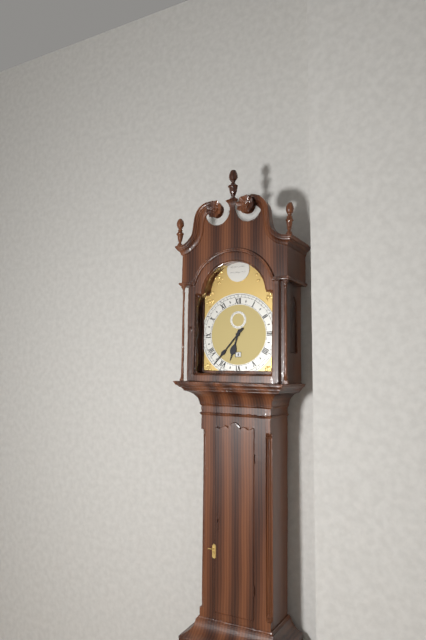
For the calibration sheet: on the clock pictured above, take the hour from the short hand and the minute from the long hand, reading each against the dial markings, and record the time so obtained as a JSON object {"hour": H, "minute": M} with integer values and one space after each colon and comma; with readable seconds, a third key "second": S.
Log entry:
{"hour": 6, "minute": 37}
